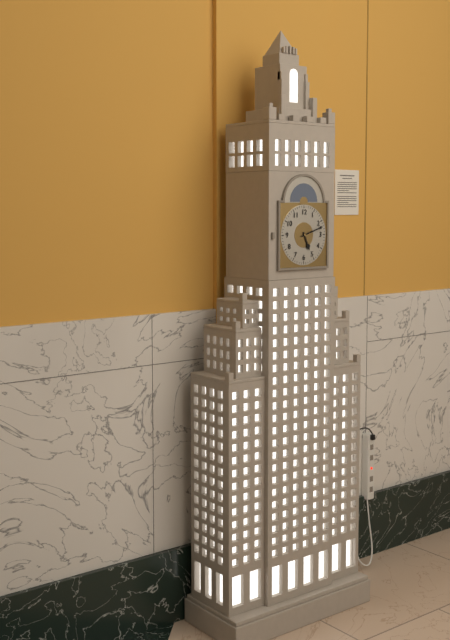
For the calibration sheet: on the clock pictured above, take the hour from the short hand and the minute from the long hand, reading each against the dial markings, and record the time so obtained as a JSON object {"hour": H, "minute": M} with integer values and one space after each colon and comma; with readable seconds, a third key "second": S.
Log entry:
{"hour": 5, "minute": 12}
